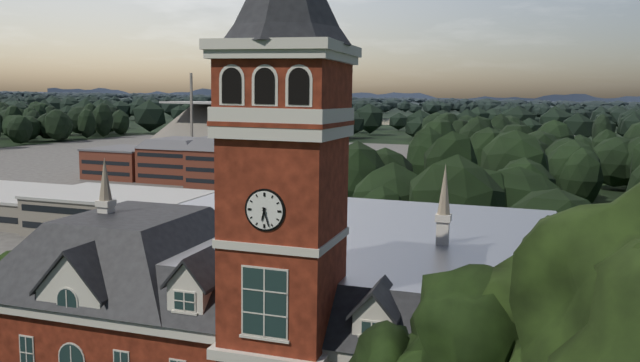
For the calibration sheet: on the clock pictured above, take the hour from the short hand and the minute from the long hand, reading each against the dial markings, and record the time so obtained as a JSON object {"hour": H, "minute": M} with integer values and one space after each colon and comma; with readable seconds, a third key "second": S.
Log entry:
{"hour": 6, "minute": 27}
